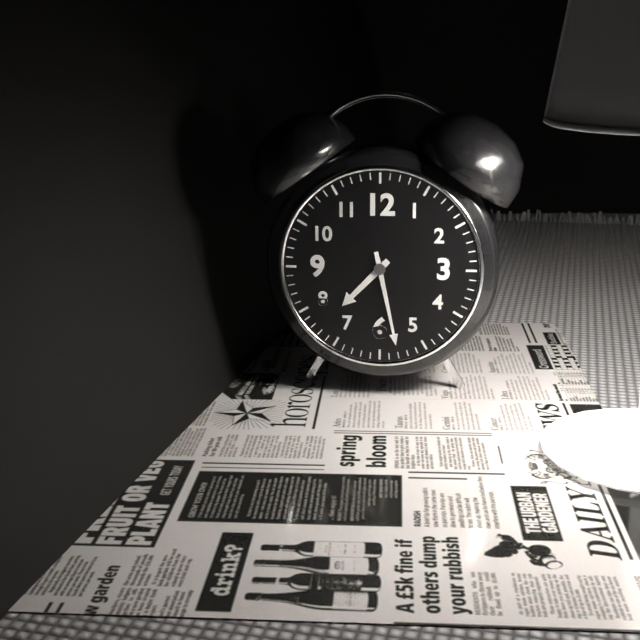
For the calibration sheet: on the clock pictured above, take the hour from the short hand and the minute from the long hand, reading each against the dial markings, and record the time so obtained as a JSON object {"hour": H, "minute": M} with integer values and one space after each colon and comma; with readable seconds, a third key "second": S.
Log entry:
{"hour": 7, "minute": 28}
